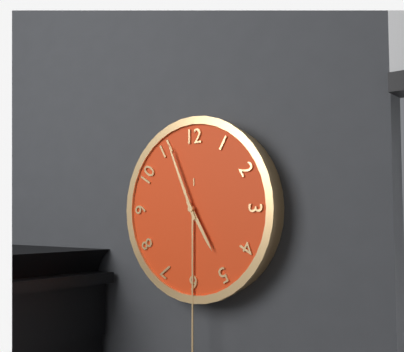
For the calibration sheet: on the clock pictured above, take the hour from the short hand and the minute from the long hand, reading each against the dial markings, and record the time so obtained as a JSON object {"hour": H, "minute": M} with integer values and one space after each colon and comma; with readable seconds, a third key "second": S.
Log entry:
{"hour": 4, "minute": 56}
